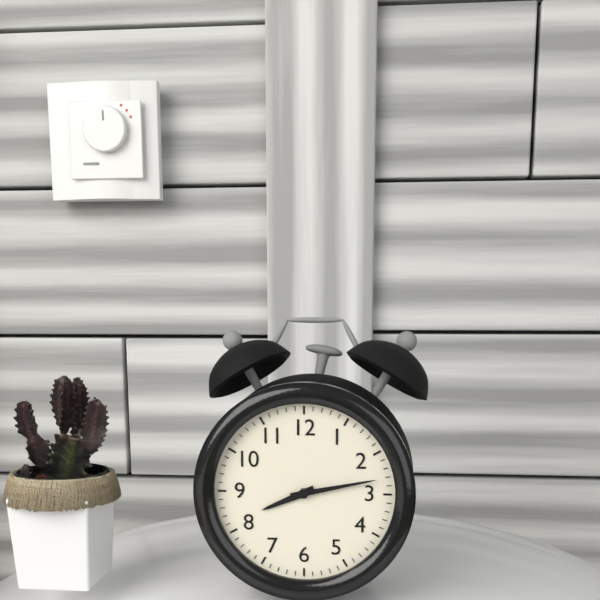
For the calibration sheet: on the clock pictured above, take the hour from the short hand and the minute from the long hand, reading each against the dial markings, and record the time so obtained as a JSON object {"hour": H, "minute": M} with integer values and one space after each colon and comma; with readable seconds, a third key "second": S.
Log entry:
{"hour": 8, "minute": 13}
